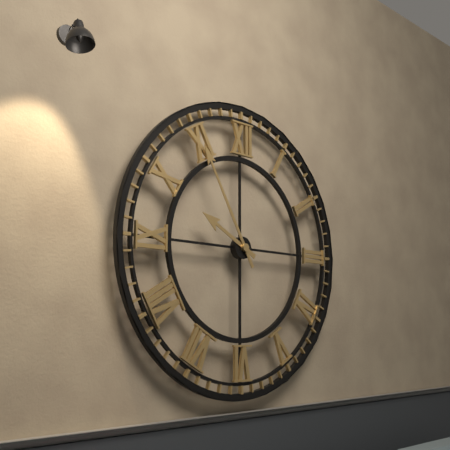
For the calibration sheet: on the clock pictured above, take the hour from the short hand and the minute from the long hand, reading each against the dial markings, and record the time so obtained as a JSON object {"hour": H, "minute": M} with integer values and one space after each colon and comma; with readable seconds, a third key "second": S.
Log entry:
{"hour": 9, "minute": 55}
